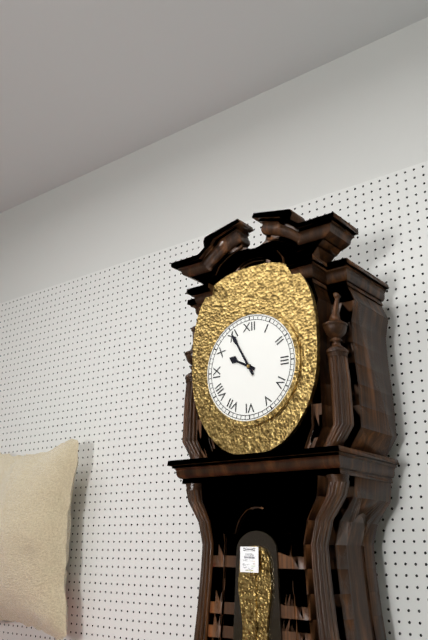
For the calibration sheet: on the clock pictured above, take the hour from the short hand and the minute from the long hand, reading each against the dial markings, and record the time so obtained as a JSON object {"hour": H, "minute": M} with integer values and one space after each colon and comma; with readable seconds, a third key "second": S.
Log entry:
{"hour": 9, "minute": 55}
